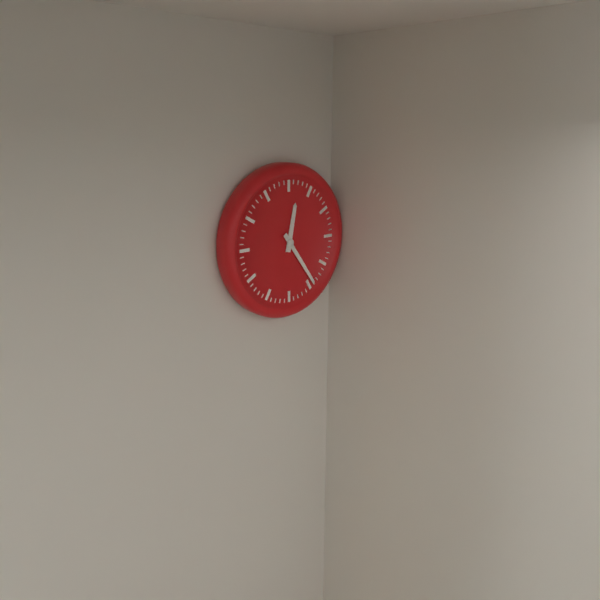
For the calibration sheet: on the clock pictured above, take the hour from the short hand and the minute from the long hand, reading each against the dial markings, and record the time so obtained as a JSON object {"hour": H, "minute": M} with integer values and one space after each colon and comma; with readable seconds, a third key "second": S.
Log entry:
{"hour": 12, "minute": 24}
